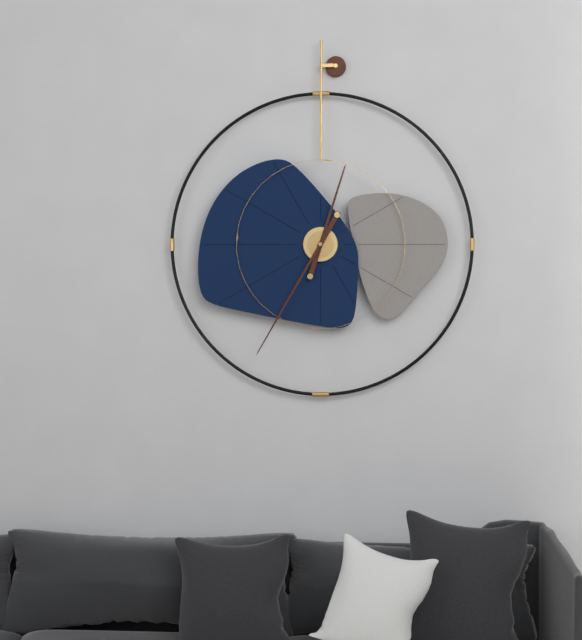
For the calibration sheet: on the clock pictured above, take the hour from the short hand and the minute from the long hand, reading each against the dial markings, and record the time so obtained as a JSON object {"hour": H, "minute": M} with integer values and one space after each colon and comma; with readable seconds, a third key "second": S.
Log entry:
{"hour": 12, "minute": 35}
